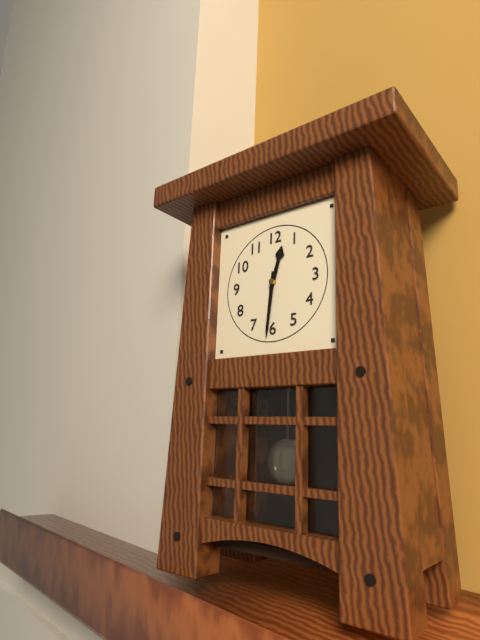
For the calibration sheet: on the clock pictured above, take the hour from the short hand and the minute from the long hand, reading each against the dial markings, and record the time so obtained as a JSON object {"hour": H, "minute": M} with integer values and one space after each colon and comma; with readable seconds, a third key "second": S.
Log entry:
{"hour": 12, "minute": 31}
